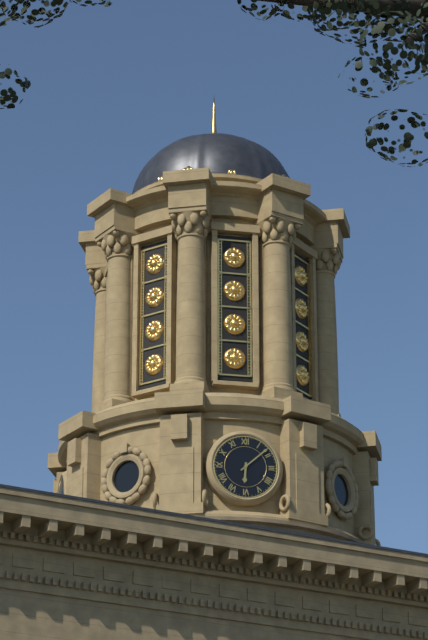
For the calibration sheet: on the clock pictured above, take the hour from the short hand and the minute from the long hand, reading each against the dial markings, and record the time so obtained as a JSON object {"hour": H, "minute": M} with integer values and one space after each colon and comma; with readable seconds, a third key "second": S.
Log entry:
{"hour": 6, "minute": 8}
